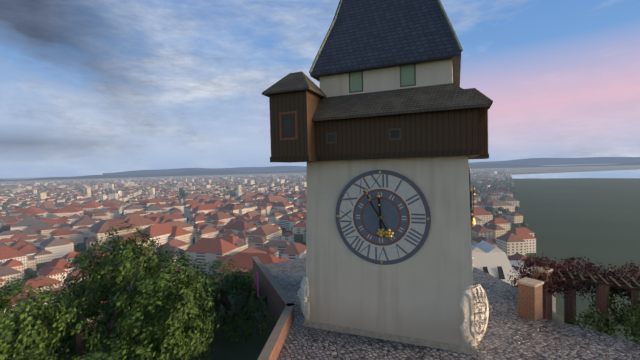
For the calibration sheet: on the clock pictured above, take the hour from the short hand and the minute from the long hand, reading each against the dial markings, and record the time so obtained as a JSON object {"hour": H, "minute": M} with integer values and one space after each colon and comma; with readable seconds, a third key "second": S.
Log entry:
{"hour": 11, "minute": 55}
